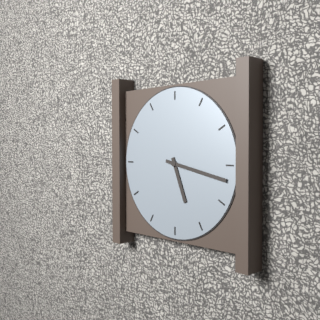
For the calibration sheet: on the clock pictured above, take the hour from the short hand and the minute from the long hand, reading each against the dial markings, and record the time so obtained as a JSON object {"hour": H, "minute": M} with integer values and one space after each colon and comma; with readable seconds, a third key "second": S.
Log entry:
{"hour": 5, "minute": 17}
